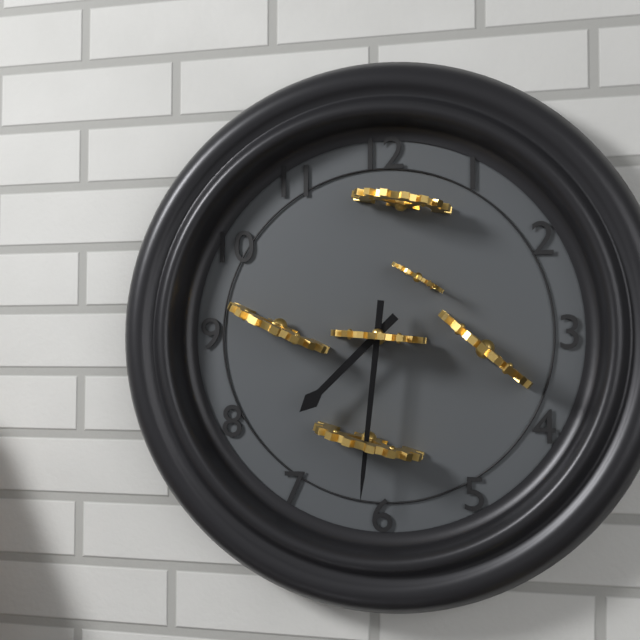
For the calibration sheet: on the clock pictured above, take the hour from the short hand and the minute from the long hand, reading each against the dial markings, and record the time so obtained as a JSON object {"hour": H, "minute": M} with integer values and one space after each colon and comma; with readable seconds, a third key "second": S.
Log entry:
{"hour": 7, "minute": 31}
